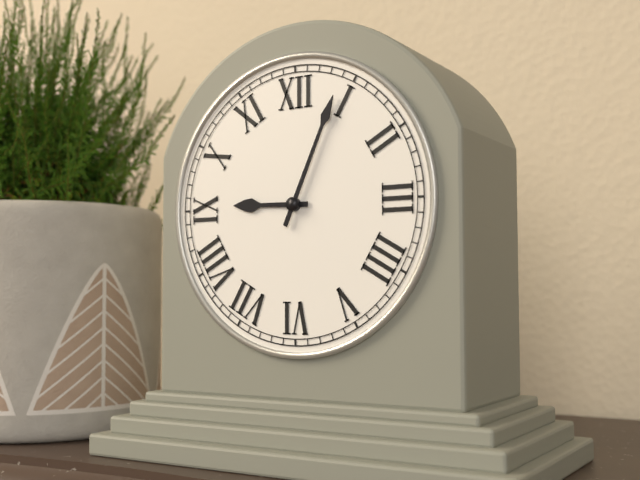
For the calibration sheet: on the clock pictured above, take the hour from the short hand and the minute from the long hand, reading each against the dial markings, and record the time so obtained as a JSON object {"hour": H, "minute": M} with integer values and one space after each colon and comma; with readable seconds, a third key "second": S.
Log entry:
{"hour": 9, "minute": 4}
